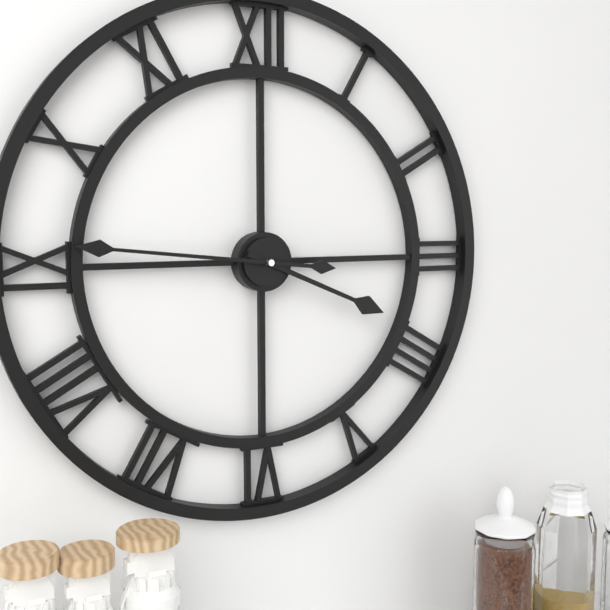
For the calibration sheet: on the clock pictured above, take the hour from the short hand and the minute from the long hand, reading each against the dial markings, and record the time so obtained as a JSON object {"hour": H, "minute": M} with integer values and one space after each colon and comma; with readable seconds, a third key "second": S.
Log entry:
{"hour": 3, "minute": 46}
